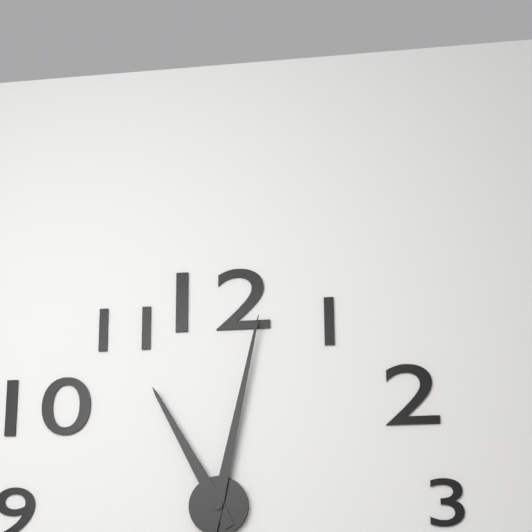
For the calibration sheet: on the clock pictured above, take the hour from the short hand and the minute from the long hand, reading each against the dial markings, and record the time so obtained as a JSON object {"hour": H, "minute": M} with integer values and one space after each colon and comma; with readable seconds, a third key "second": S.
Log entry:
{"hour": 11, "minute": 2}
